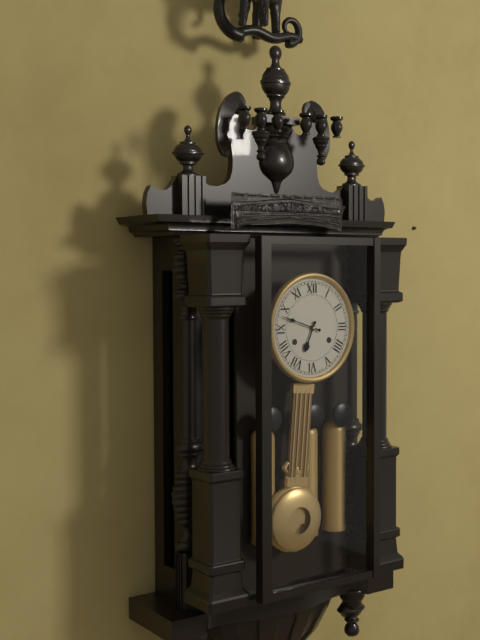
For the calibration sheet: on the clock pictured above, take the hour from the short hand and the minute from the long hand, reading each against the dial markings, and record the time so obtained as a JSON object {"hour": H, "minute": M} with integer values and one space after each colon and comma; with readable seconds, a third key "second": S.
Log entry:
{"hour": 6, "minute": 48}
